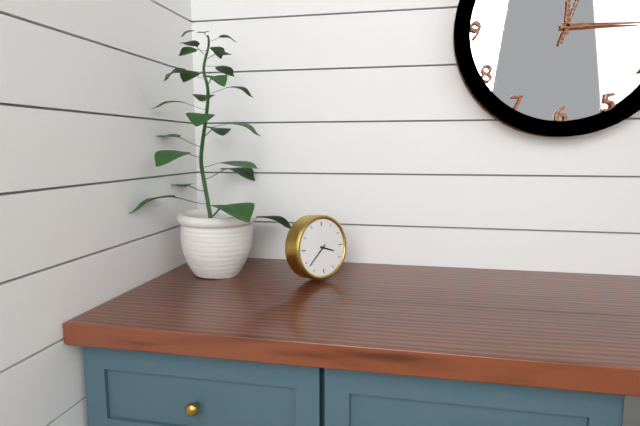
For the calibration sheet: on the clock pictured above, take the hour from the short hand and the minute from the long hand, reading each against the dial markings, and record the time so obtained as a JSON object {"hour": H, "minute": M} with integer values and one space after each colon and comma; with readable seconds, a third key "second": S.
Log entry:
{"hour": 3, "minute": 38}
